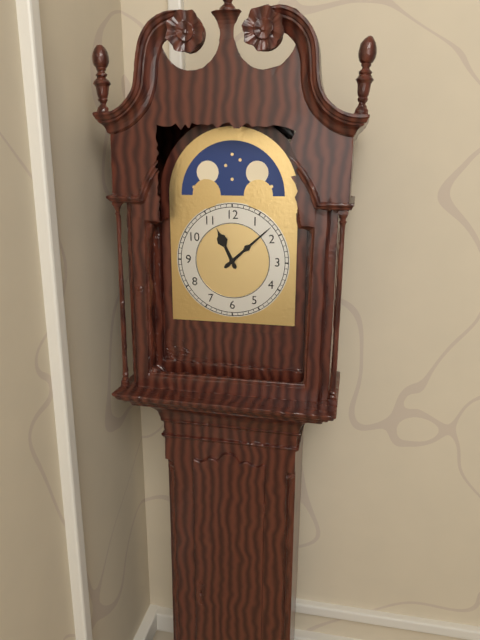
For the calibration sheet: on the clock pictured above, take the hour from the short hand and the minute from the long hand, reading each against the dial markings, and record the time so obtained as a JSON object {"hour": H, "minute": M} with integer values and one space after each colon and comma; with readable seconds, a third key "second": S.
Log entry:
{"hour": 11, "minute": 8}
